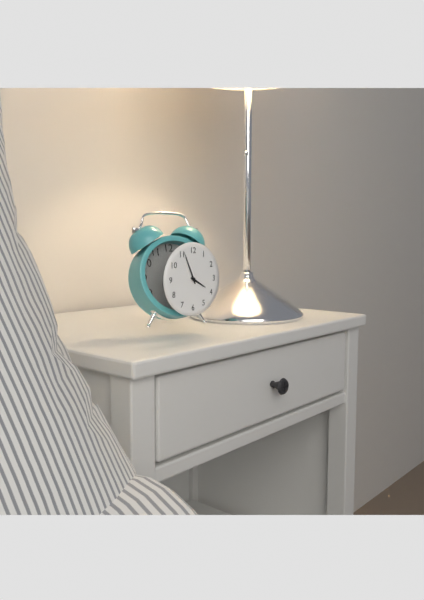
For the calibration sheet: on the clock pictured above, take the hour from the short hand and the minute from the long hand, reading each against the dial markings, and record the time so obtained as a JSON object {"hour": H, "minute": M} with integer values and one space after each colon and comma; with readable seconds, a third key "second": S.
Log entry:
{"hour": 3, "minute": 56}
